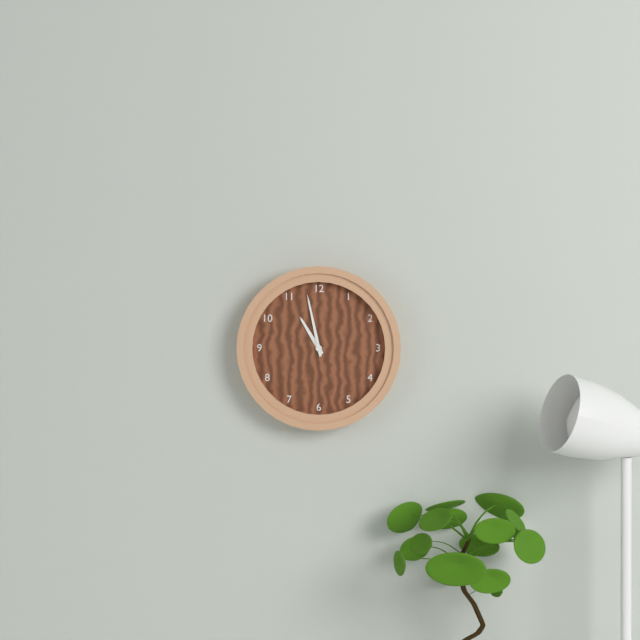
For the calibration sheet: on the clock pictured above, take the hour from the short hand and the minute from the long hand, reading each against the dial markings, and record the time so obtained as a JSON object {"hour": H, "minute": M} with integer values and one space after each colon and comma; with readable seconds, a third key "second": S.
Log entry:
{"hour": 10, "minute": 58}
